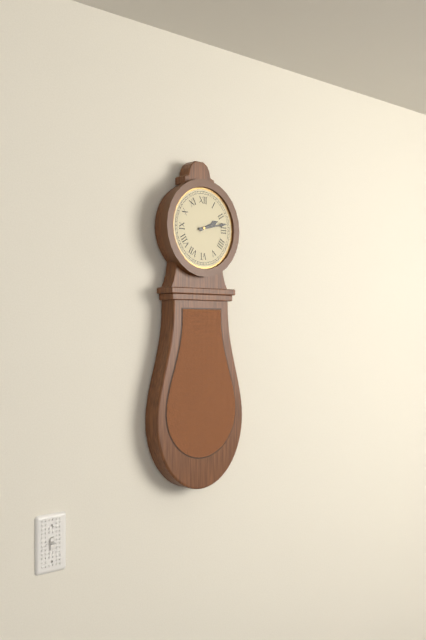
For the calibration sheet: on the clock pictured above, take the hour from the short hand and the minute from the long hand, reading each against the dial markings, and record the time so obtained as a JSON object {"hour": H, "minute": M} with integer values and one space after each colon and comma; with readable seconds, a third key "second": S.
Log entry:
{"hour": 2, "minute": 13}
